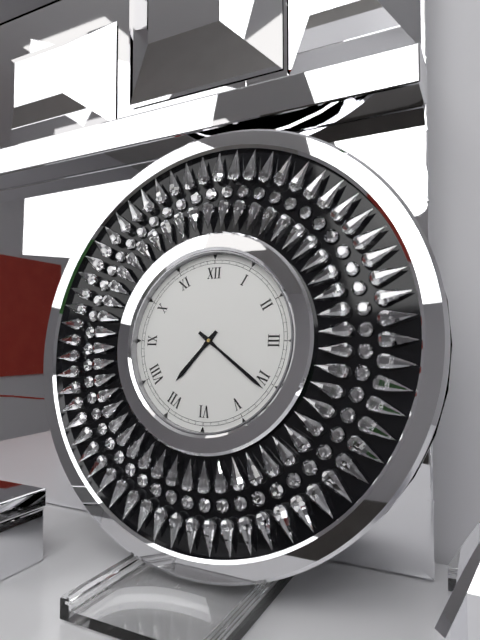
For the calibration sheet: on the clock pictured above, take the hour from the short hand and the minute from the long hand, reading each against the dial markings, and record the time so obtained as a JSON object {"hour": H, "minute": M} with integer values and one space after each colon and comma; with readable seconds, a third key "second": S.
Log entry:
{"hour": 7, "minute": 21}
